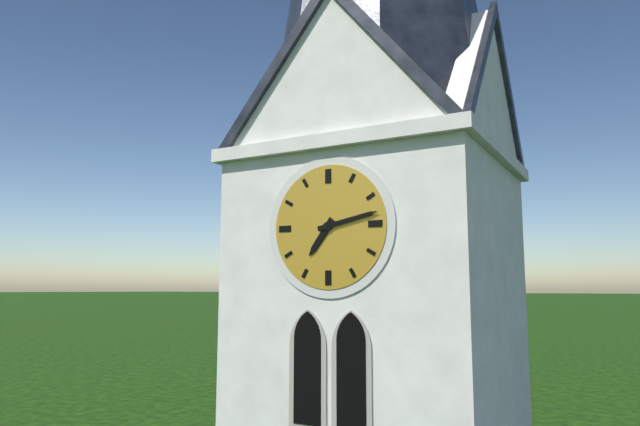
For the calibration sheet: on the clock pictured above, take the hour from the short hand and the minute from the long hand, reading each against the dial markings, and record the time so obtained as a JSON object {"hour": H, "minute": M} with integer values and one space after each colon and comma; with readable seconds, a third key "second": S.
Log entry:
{"hour": 7, "minute": 13}
